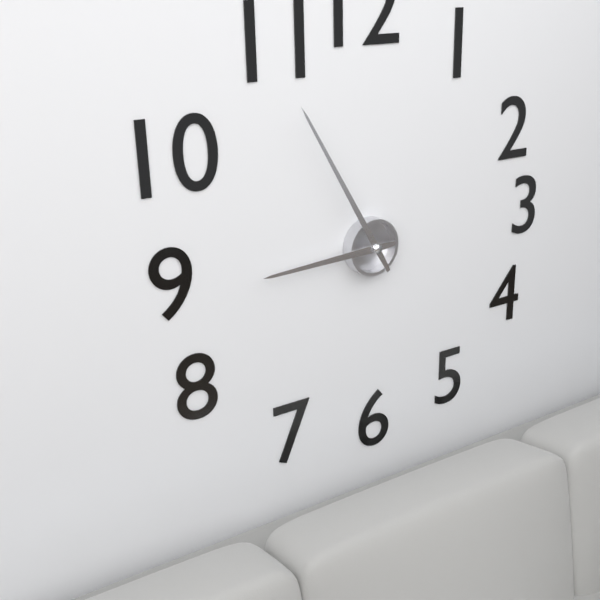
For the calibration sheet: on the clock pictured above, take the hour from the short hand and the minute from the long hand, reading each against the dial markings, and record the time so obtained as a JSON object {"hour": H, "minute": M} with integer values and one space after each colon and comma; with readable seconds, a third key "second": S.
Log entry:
{"hour": 8, "minute": 55}
